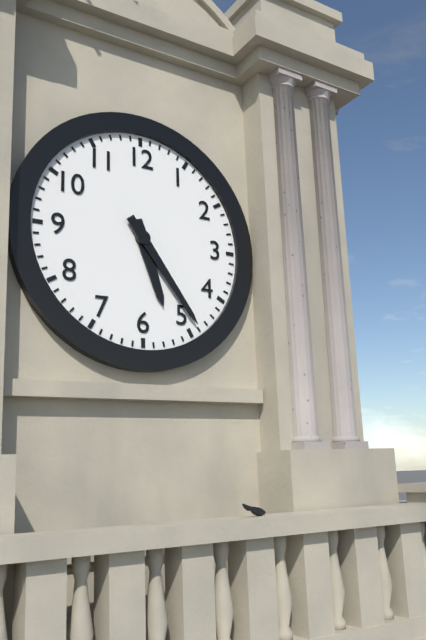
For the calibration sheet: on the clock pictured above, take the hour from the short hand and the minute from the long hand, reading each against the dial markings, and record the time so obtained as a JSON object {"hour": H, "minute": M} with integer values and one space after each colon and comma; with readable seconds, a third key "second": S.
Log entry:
{"hour": 5, "minute": 24}
